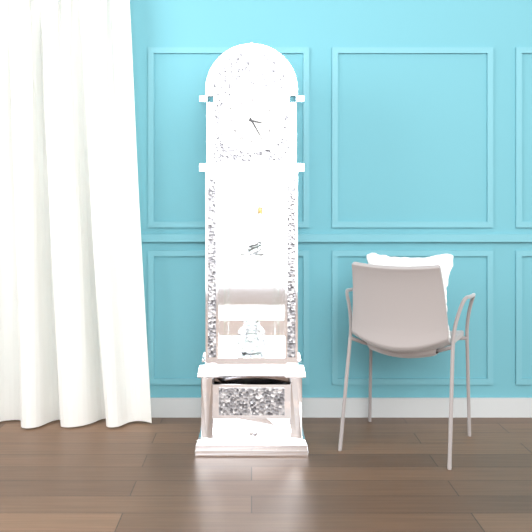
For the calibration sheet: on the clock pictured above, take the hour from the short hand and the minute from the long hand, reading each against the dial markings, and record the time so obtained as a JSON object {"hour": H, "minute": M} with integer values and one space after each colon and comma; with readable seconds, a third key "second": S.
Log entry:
{"hour": 3, "minute": 25}
